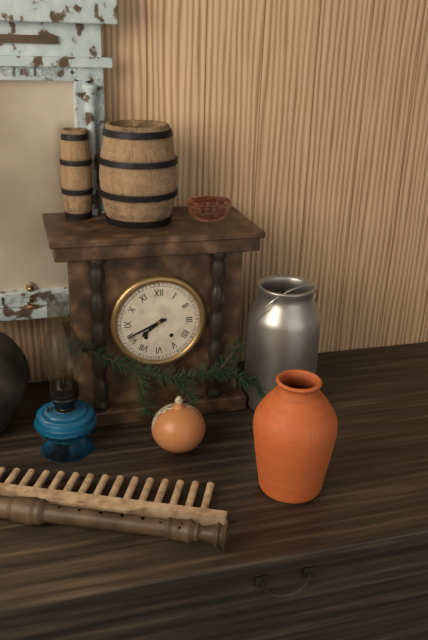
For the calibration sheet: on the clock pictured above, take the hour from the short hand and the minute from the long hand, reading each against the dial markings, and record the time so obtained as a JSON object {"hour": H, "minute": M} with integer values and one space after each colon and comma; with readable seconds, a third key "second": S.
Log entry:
{"hour": 7, "minute": 41}
